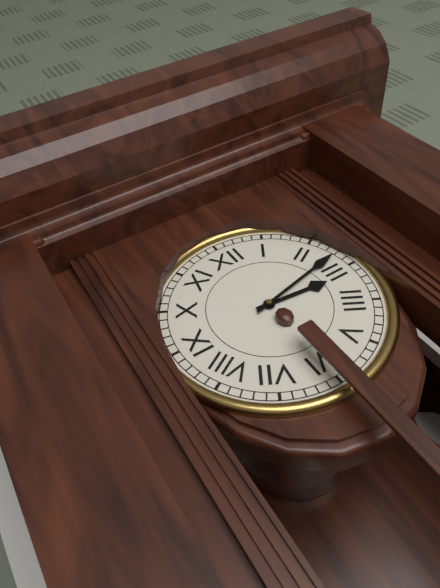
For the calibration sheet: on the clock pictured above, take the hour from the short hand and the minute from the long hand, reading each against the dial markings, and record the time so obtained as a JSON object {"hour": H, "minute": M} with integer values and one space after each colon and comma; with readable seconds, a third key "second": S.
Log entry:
{"hour": 3, "minute": 13}
